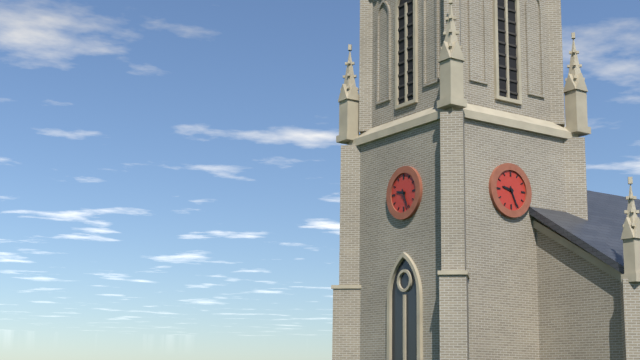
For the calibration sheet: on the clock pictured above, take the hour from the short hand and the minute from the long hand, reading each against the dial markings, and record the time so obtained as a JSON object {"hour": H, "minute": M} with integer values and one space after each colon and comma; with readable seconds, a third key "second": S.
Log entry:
{"hour": 9, "minute": 26}
